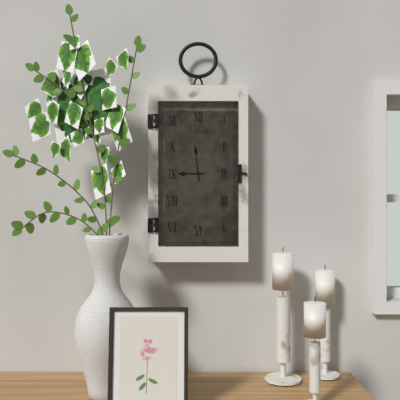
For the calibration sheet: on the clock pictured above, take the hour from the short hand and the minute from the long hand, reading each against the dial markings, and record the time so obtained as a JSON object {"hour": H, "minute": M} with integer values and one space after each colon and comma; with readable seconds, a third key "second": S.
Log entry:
{"hour": 8, "minute": 59}
